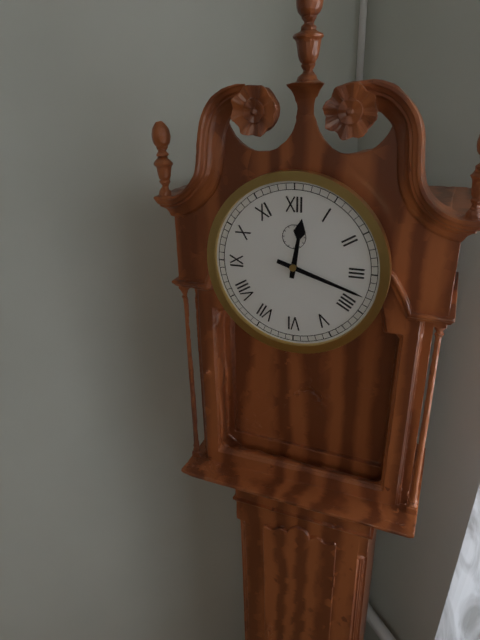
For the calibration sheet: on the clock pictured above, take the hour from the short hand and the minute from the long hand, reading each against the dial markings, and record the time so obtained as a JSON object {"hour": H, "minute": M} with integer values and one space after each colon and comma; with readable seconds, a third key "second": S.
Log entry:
{"hour": 12, "minute": 18}
